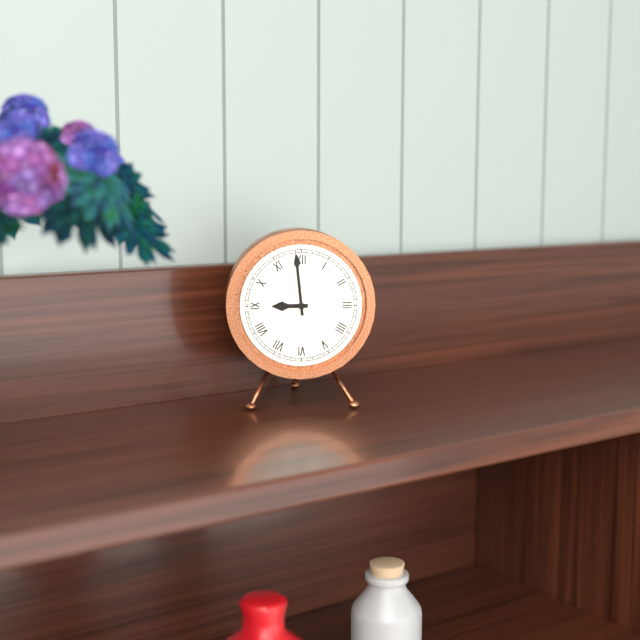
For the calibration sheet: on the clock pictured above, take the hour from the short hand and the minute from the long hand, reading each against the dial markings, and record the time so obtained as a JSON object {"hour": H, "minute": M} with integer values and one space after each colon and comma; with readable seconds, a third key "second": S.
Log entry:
{"hour": 8, "minute": 59}
